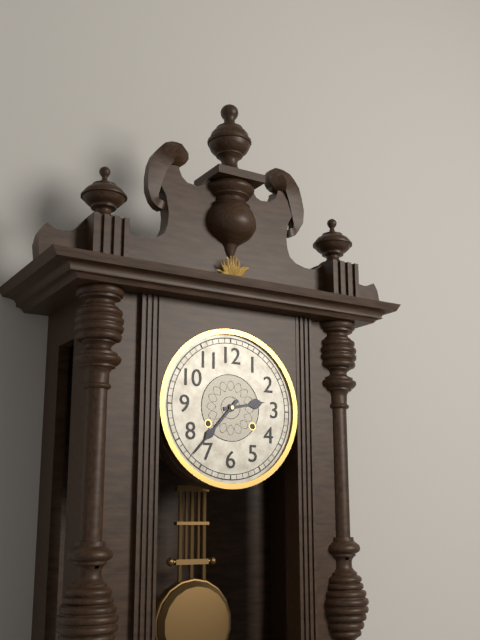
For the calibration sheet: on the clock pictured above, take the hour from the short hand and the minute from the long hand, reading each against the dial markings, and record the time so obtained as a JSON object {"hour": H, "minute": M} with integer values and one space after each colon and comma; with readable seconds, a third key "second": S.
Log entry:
{"hour": 2, "minute": 37}
